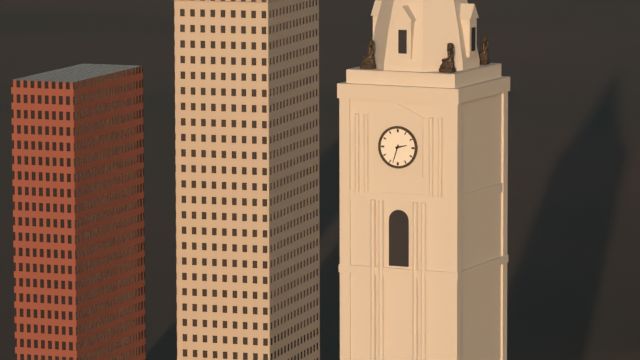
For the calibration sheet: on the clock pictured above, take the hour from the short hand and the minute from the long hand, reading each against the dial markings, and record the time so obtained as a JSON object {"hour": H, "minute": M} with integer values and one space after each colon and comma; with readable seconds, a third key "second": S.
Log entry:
{"hour": 2, "minute": 33}
